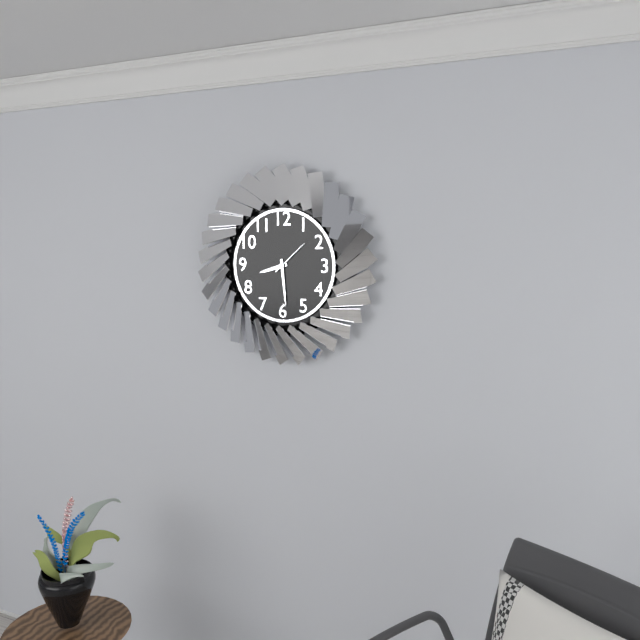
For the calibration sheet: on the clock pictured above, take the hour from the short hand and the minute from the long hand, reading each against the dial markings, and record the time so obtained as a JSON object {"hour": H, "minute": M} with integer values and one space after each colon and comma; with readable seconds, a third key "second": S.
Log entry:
{"hour": 8, "minute": 29}
